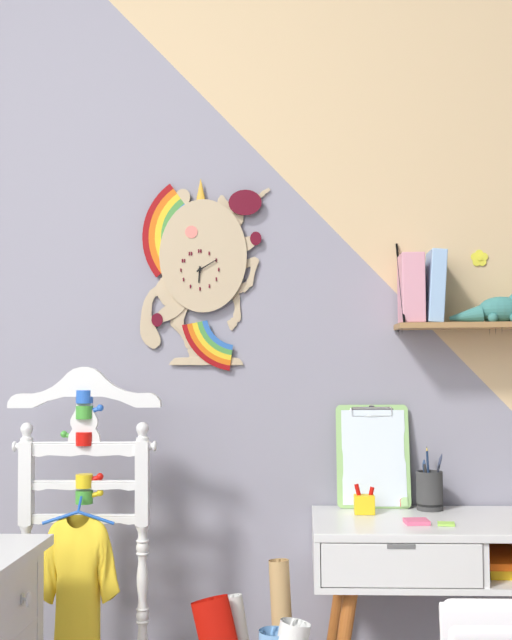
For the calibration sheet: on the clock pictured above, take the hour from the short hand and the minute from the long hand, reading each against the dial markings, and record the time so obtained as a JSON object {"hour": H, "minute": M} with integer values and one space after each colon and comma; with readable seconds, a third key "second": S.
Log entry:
{"hour": 6, "minute": 10}
